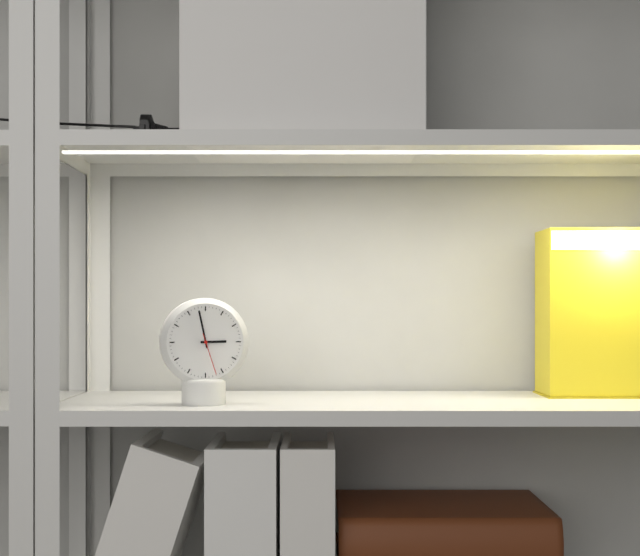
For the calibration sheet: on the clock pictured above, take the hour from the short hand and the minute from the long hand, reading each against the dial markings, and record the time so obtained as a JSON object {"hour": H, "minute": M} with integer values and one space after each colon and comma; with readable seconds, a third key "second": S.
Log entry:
{"hour": 2, "minute": 58}
